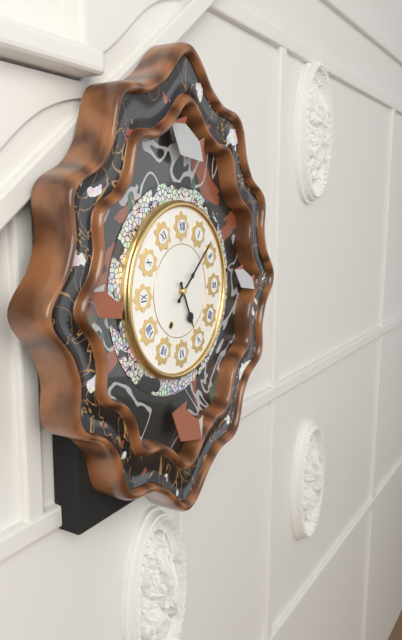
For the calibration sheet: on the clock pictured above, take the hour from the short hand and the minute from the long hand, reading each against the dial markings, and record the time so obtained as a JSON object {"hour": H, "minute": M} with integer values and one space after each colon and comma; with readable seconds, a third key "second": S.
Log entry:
{"hour": 5, "minute": 8}
